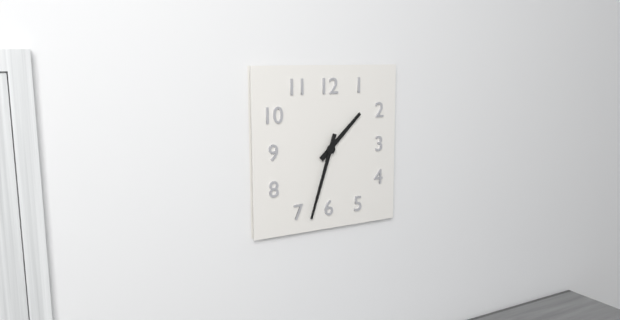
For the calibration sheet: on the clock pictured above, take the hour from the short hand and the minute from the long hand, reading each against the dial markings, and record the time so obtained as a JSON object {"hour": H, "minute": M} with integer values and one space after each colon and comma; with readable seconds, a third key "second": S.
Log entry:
{"hour": 1, "minute": 33}
